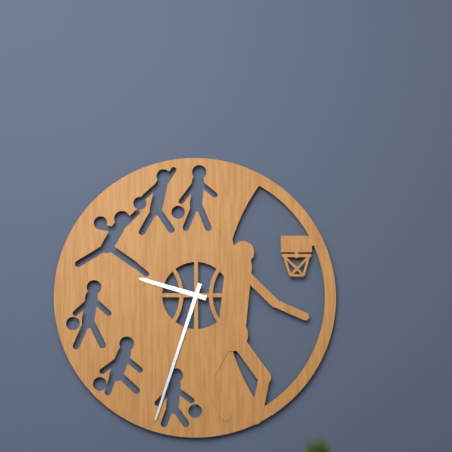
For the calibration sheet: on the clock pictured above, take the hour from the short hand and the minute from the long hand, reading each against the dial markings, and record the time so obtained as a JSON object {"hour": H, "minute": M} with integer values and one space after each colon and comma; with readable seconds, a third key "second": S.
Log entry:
{"hour": 9, "minute": 33}
